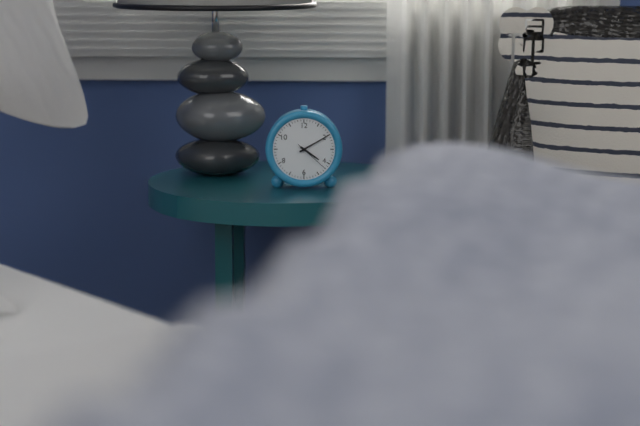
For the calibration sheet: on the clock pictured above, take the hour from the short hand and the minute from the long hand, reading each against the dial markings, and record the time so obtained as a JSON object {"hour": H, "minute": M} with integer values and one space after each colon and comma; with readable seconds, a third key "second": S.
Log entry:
{"hour": 4, "minute": 10}
